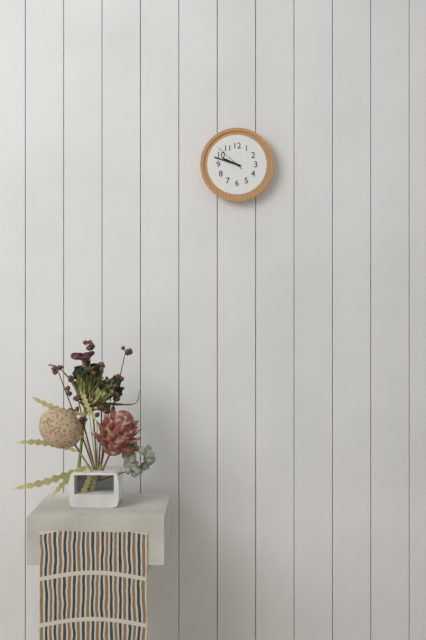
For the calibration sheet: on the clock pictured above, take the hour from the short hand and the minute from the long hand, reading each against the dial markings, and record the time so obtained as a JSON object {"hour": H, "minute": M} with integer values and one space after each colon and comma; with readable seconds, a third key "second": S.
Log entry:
{"hour": 9, "minute": 48}
